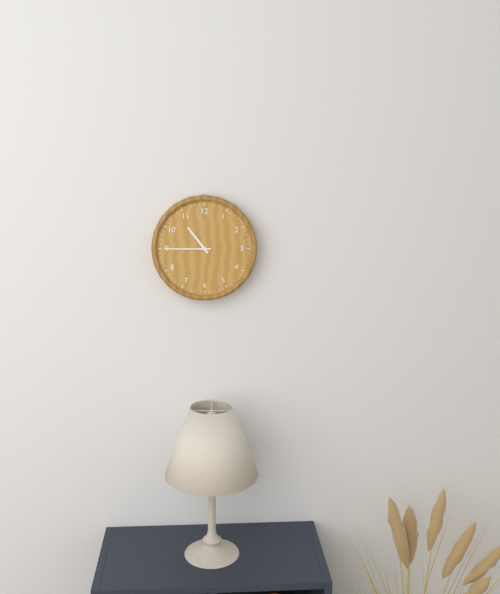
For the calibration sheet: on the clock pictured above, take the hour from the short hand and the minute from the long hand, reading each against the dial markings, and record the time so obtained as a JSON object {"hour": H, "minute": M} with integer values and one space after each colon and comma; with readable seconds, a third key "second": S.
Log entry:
{"hour": 10, "minute": 45}
